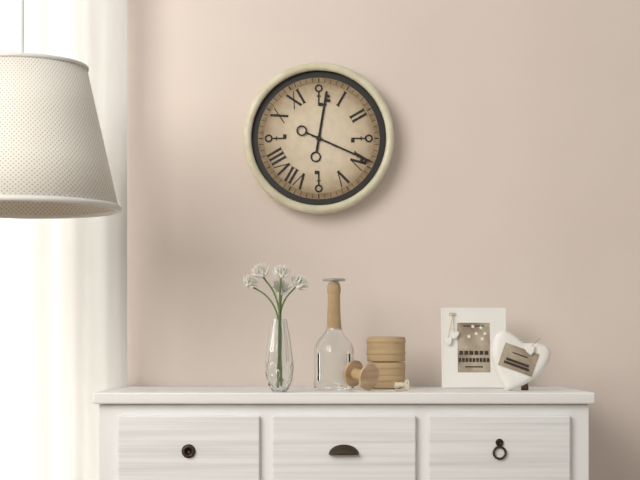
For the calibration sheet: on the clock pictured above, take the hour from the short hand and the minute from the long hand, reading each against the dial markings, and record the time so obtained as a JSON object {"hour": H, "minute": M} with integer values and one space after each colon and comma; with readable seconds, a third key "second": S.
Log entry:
{"hour": 12, "minute": 19}
